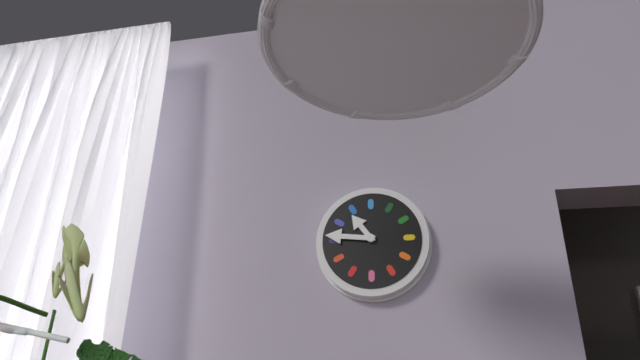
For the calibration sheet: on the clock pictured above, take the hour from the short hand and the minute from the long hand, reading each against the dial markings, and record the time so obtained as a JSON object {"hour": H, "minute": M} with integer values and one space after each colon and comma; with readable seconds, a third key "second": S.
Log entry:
{"hour": 10, "minute": 46}
